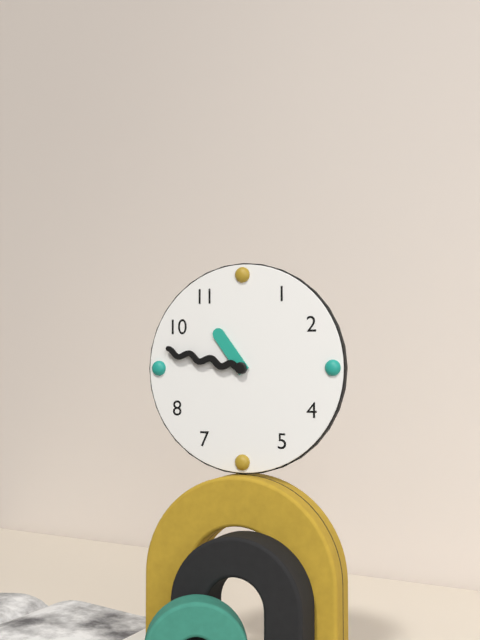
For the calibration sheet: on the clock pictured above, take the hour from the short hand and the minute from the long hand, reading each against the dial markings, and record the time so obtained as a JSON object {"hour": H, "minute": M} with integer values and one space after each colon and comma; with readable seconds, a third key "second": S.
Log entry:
{"hour": 10, "minute": 47}
